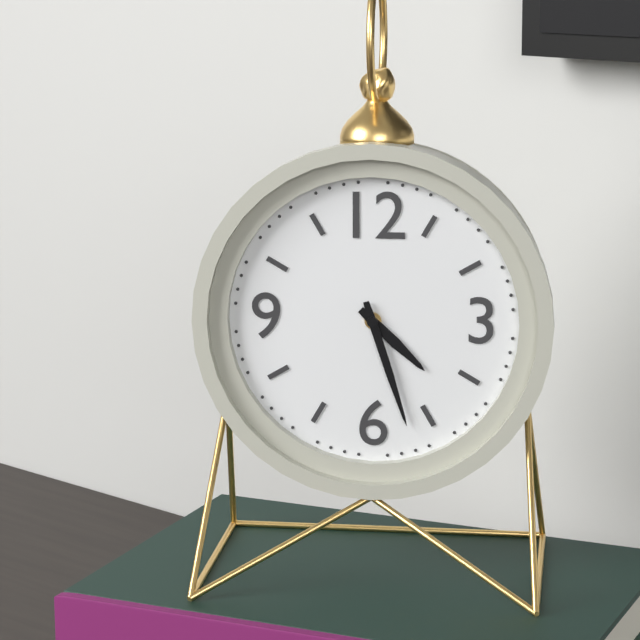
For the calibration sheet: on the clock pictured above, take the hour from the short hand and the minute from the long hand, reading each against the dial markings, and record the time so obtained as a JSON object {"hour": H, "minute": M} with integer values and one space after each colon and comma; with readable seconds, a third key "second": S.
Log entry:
{"hour": 4, "minute": 27}
